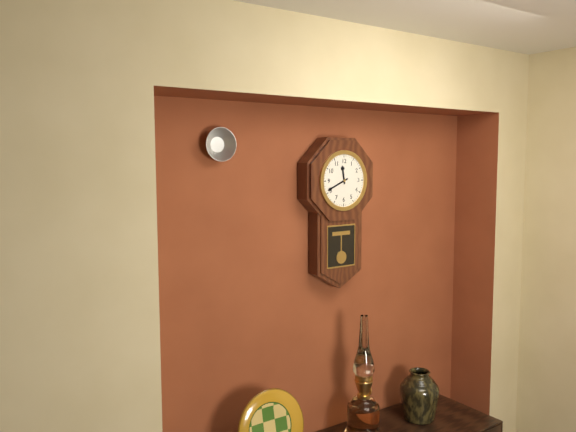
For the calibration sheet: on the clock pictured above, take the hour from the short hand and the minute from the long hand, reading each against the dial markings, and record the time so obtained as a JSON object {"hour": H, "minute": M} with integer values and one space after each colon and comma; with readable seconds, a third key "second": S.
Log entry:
{"hour": 11, "minute": 41}
